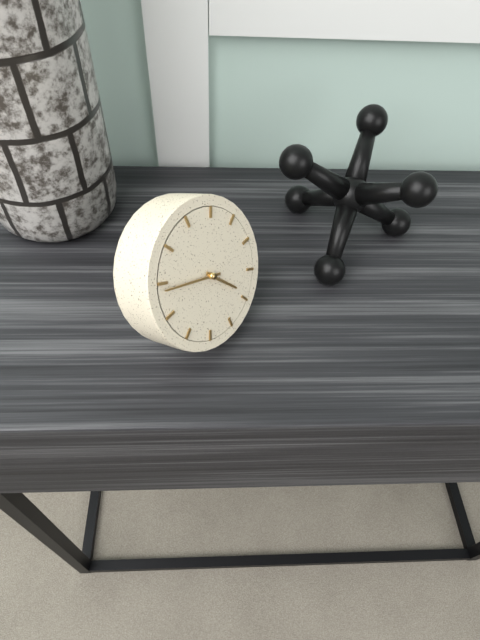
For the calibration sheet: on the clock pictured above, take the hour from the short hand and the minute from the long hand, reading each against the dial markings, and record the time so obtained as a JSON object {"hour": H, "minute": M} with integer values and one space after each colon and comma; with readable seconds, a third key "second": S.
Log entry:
{"hour": 4, "minute": 49}
